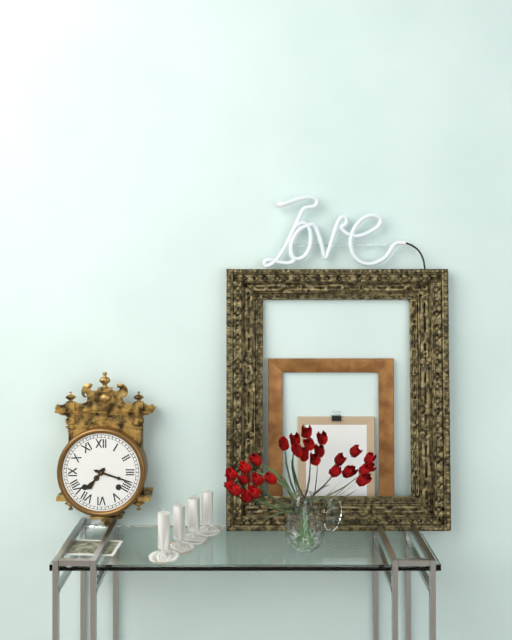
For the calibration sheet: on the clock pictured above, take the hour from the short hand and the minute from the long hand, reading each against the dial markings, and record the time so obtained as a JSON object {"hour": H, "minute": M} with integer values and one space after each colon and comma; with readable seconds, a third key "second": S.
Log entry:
{"hour": 7, "minute": 18}
